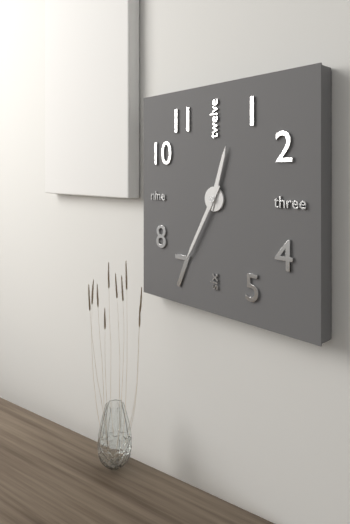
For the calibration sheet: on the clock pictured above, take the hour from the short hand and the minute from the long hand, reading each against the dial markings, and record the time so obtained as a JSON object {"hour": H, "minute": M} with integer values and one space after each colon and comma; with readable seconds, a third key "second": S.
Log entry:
{"hour": 12, "minute": 35}
